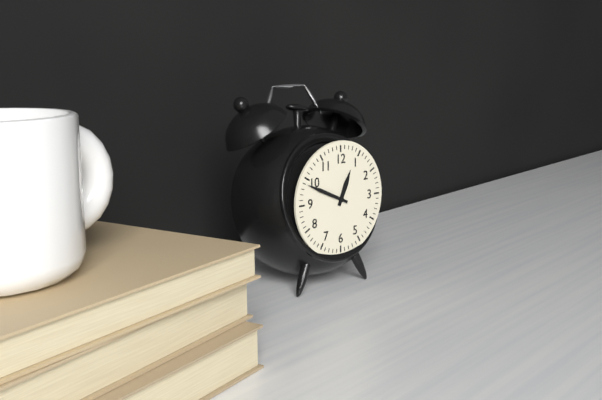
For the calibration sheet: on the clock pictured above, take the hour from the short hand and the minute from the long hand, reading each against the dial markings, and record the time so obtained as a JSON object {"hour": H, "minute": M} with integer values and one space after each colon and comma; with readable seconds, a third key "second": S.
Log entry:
{"hour": 12, "minute": 49}
